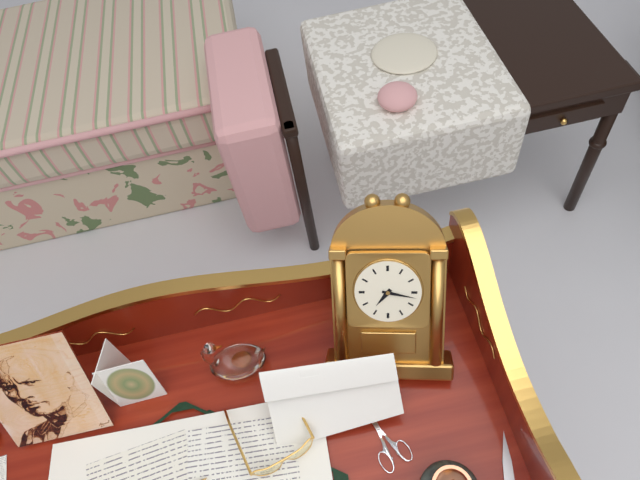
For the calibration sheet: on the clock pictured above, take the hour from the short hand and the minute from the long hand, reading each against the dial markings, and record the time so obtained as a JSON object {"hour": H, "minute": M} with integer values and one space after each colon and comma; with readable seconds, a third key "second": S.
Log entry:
{"hour": 7, "minute": 17}
